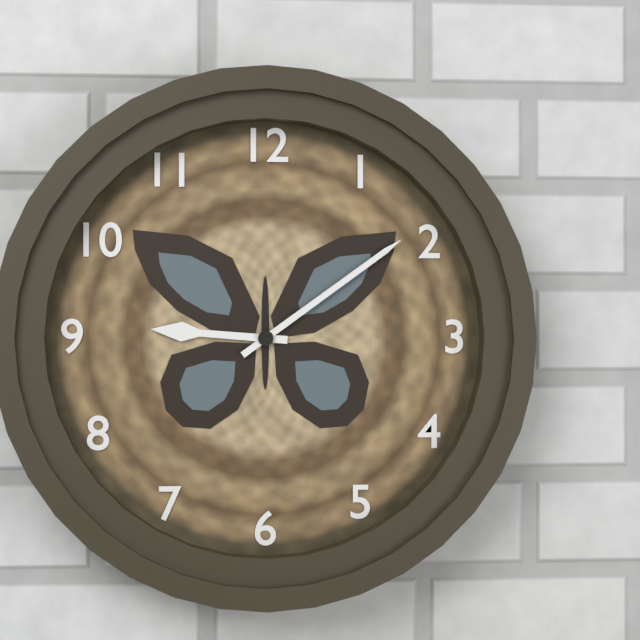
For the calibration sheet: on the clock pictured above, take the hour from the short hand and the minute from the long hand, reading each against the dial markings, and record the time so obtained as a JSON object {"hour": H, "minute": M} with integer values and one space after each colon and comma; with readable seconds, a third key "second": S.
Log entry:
{"hour": 9, "minute": 9}
